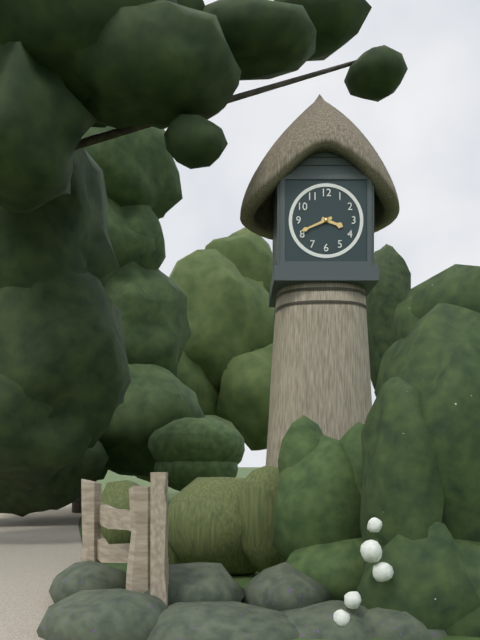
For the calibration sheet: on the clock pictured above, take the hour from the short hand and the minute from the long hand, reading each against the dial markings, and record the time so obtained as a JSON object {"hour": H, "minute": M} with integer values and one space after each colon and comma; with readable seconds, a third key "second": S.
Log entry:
{"hour": 3, "minute": 41}
